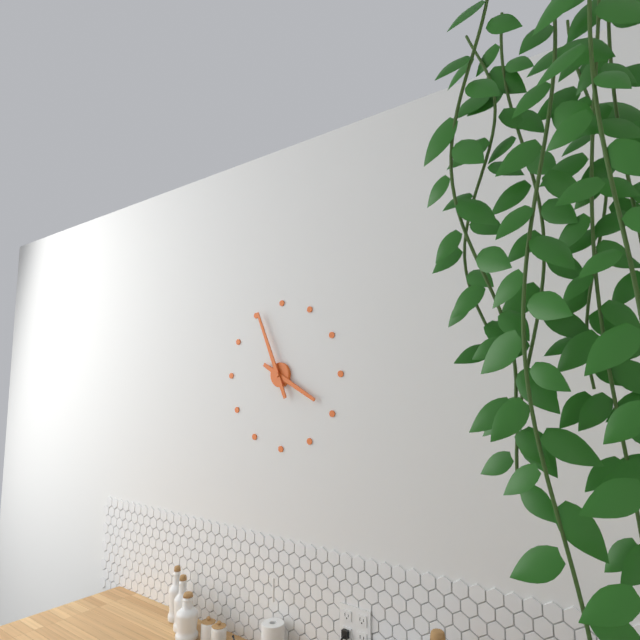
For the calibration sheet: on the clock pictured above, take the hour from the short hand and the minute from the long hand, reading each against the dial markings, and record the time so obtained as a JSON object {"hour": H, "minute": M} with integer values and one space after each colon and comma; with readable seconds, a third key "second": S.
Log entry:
{"hour": 3, "minute": 56}
